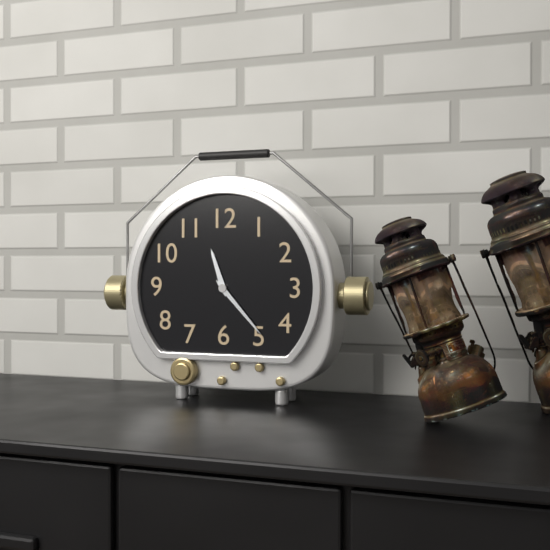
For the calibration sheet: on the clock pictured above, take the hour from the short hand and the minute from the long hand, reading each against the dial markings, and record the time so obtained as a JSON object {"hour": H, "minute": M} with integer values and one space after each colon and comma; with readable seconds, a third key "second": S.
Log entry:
{"hour": 11, "minute": 23}
